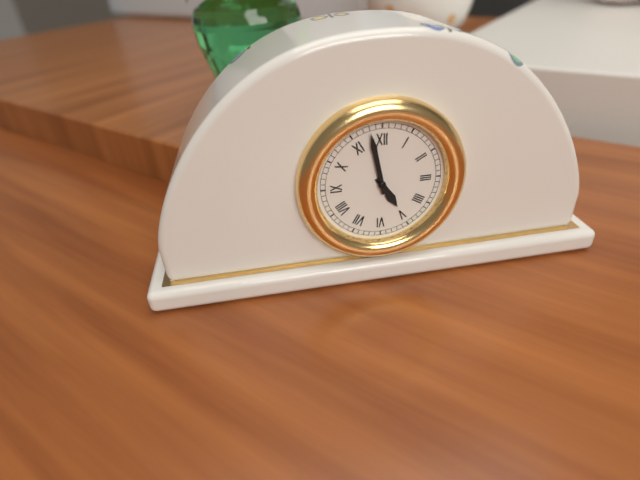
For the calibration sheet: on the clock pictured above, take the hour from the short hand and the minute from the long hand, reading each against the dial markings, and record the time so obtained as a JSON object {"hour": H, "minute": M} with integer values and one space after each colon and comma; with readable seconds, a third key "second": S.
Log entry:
{"hour": 4, "minute": 58}
